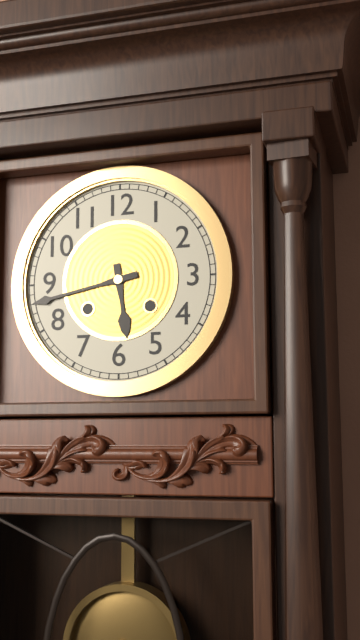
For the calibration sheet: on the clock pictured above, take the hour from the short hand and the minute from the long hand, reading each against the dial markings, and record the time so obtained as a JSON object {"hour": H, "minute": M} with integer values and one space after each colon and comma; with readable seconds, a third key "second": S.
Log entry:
{"hour": 5, "minute": 43}
